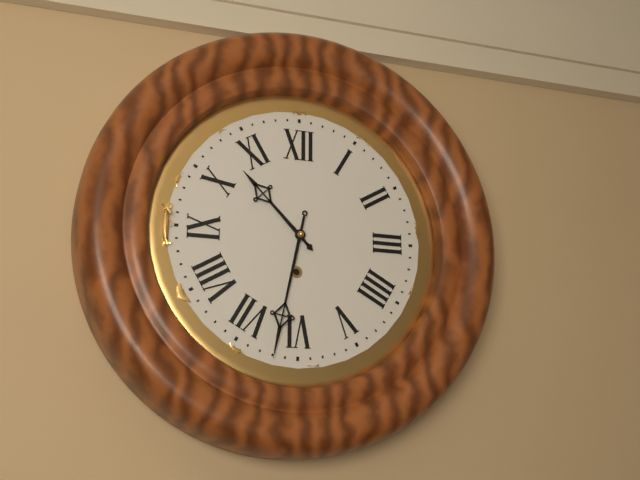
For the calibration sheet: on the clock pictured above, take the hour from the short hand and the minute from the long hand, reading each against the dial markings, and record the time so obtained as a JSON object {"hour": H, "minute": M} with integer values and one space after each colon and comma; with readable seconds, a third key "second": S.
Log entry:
{"hour": 10, "minute": 32}
